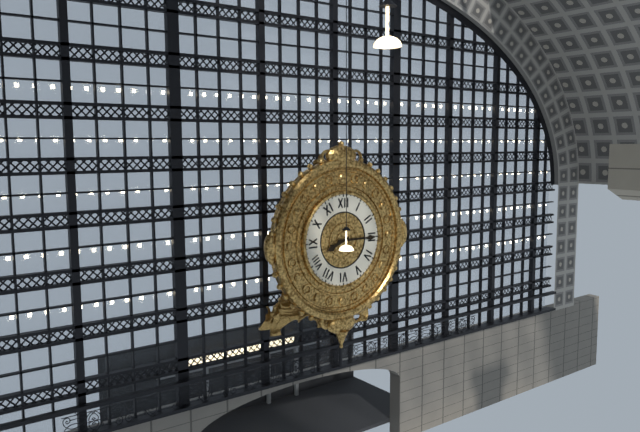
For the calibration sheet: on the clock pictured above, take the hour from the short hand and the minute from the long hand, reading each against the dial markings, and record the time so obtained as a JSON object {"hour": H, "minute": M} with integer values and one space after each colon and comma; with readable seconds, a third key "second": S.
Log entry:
{"hour": 8, "minute": 15}
